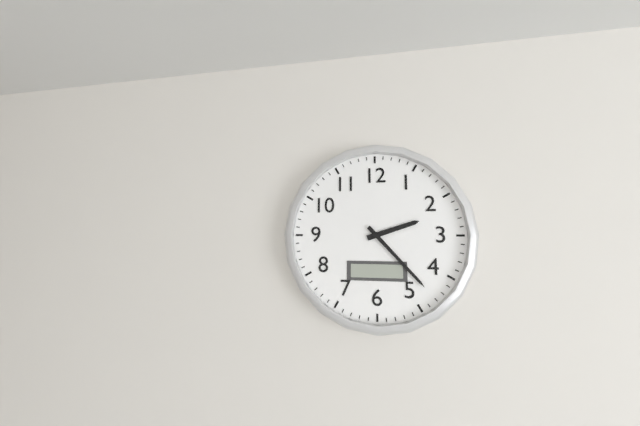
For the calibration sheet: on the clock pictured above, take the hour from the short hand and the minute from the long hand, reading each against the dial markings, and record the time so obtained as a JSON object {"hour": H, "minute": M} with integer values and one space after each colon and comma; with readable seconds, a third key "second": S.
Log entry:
{"hour": 2, "minute": 23}
